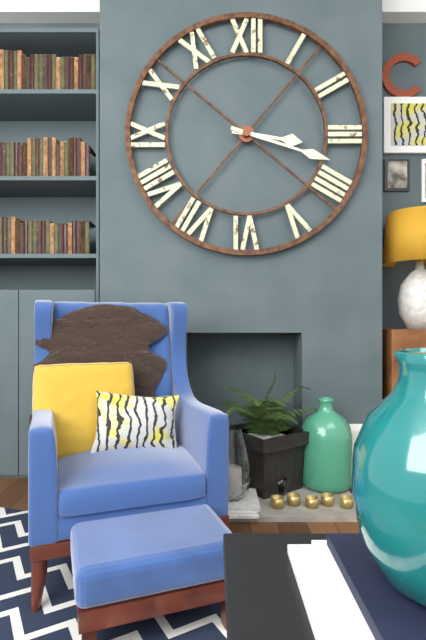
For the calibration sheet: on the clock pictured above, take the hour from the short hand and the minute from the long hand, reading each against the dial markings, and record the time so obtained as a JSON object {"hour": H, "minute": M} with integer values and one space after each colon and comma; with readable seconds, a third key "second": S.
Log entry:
{"hour": 3, "minute": 18}
